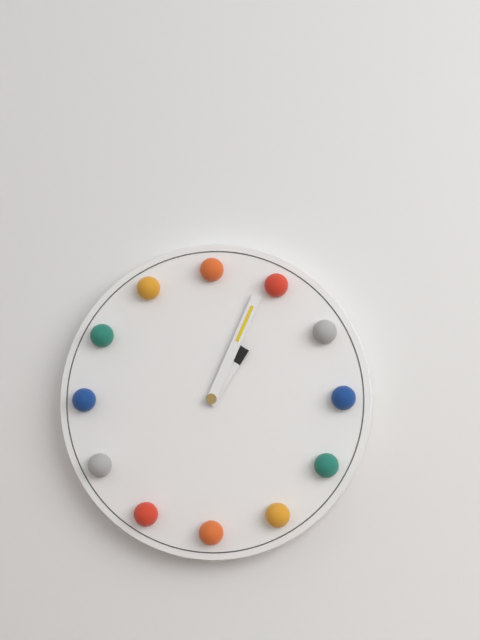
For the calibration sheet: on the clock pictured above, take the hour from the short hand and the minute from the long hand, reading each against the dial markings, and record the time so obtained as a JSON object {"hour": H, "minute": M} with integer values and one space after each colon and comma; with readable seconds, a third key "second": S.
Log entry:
{"hour": 1, "minute": 4}
